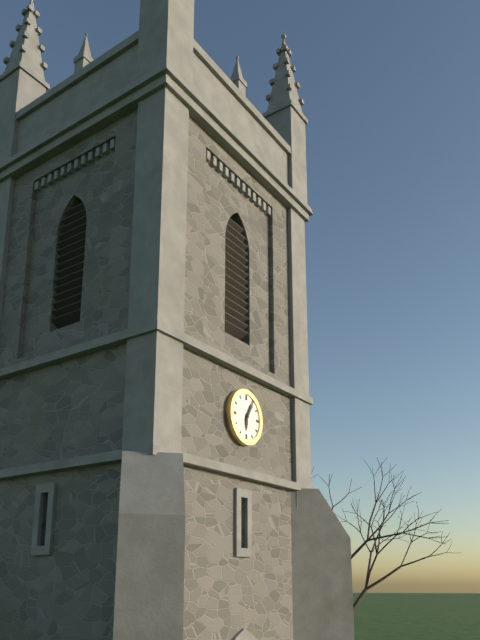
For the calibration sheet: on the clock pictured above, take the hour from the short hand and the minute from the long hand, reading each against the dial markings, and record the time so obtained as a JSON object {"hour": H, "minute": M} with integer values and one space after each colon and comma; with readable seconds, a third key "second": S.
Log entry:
{"hour": 6, "minute": 5}
